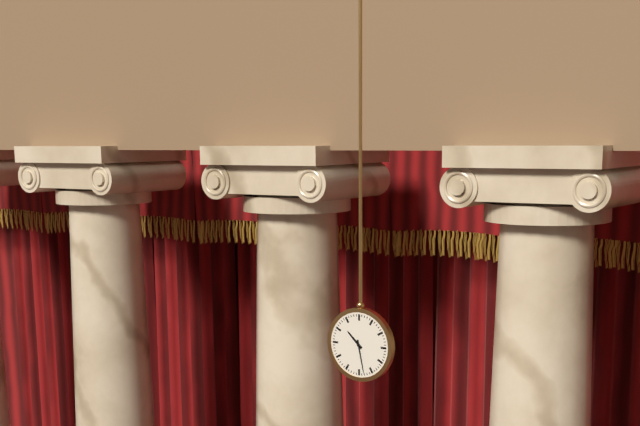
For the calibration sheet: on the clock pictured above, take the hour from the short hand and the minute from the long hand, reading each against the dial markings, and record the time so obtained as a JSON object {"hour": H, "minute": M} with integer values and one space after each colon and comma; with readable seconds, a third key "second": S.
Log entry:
{"hour": 10, "minute": 28}
